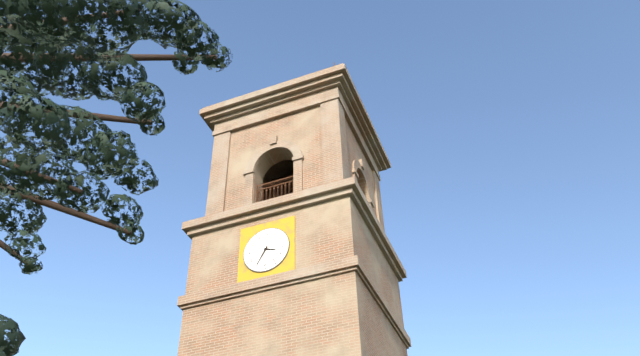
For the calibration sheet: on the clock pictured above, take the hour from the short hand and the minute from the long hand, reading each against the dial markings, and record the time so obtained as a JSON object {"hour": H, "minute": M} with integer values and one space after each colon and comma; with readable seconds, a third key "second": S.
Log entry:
{"hour": 3, "minute": 35}
